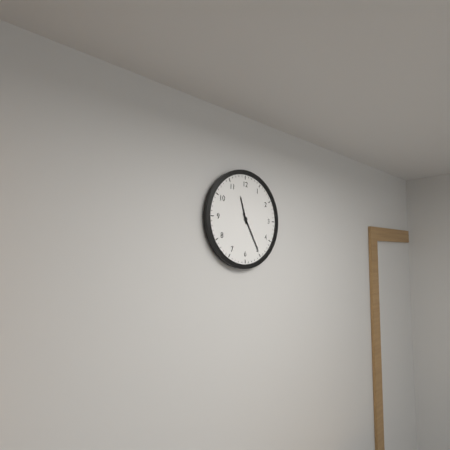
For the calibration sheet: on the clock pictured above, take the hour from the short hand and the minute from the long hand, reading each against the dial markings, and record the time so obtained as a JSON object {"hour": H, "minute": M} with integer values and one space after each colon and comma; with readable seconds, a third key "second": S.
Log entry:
{"hour": 11, "minute": 25}
